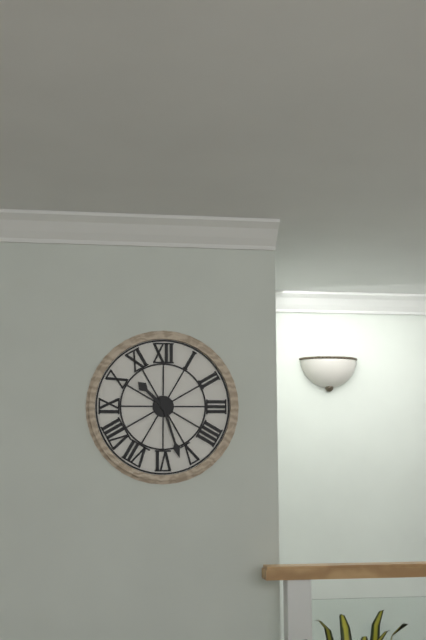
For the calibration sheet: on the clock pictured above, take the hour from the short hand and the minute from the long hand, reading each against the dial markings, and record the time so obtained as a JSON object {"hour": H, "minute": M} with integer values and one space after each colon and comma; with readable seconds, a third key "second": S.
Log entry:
{"hour": 10, "minute": 27}
